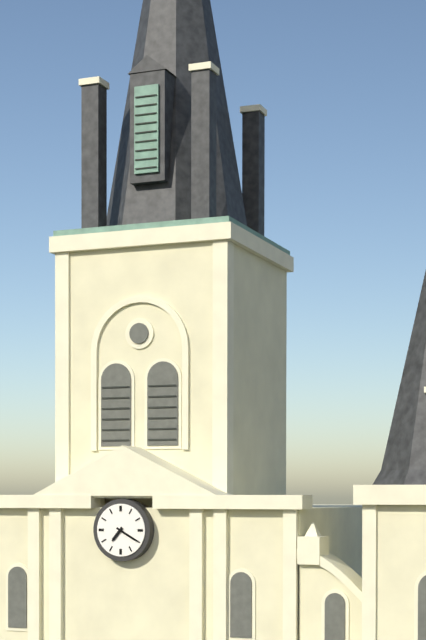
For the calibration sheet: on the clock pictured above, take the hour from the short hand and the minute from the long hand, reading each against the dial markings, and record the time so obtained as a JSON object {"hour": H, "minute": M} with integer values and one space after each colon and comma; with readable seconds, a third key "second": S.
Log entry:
{"hour": 7, "minute": 20}
